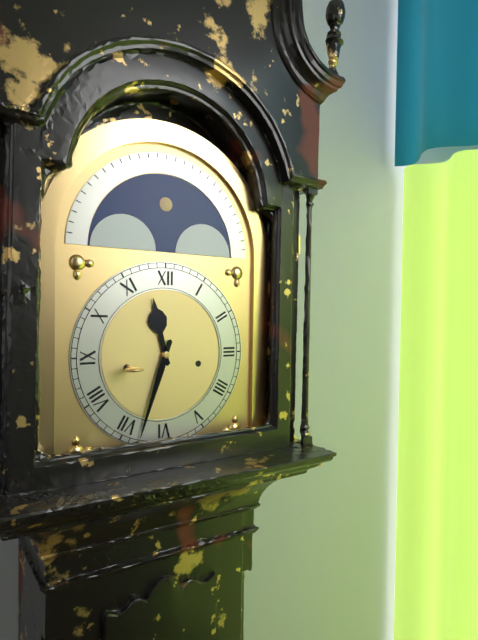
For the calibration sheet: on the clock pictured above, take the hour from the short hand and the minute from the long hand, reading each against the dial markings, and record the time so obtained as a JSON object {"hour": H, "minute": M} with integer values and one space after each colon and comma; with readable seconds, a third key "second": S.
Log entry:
{"hour": 11, "minute": 33}
